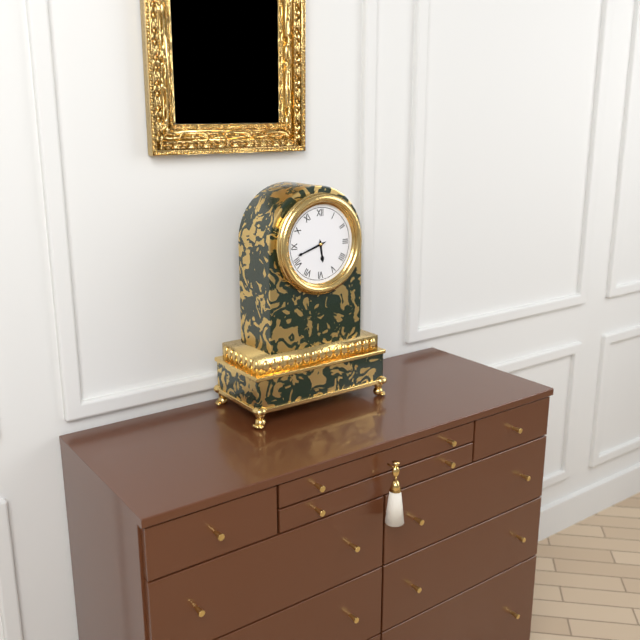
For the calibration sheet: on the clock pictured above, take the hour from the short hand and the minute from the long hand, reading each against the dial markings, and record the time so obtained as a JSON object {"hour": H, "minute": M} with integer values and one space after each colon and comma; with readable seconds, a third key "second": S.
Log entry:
{"hour": 5, "minute": 42}
